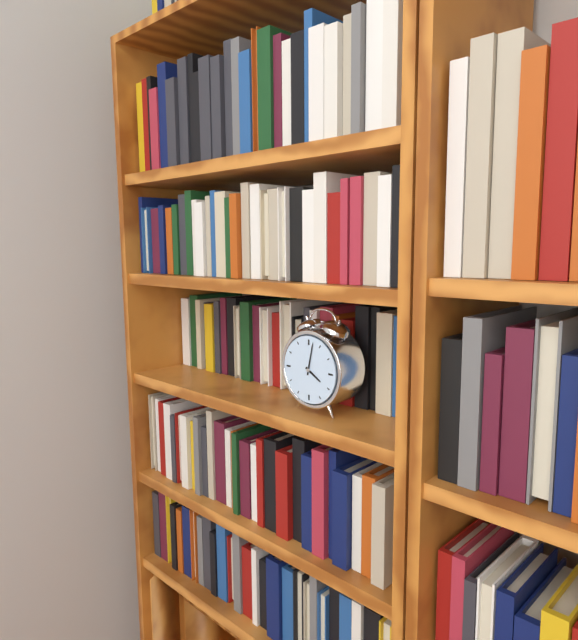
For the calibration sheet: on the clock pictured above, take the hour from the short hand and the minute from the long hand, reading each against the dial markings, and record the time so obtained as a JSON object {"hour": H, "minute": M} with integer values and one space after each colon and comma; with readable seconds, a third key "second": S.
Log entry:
{"hour": 4, "minute": 2}
